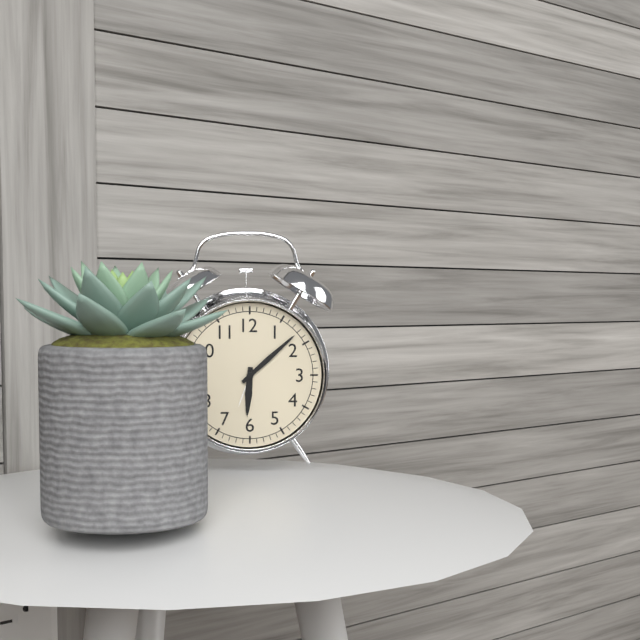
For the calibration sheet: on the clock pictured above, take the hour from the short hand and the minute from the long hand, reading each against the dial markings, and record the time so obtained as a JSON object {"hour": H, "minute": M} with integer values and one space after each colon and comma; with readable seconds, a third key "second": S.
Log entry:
{"hour": 6, "minute": 8}
